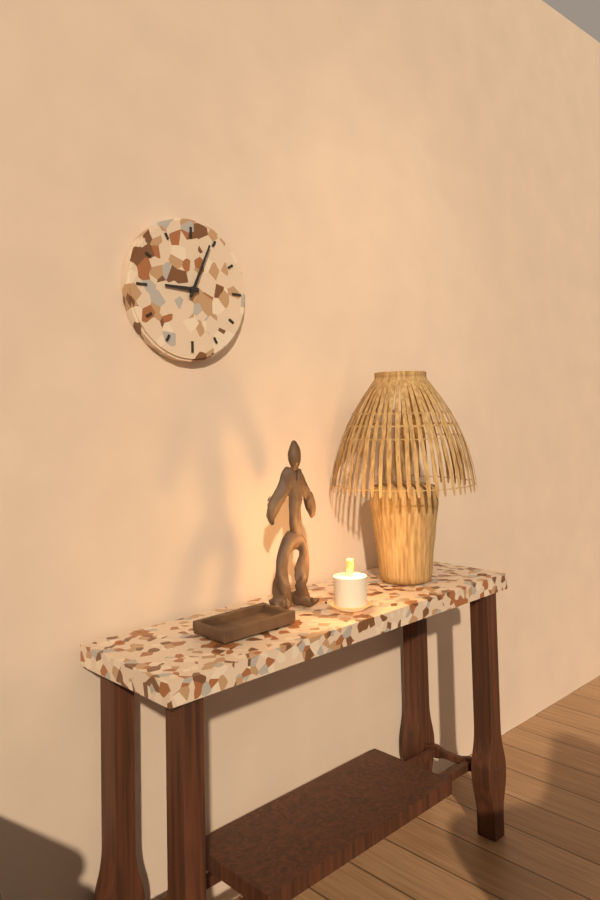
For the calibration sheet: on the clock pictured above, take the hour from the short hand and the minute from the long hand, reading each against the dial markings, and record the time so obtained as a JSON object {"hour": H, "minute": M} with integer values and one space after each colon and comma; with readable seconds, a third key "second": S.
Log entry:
{"hour": 9, "minute": 4}
